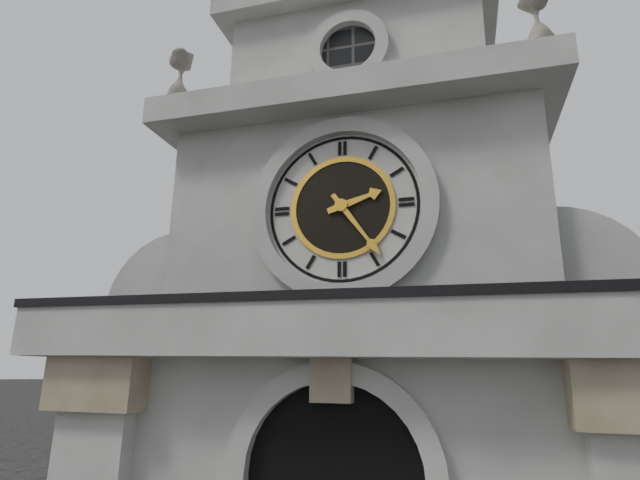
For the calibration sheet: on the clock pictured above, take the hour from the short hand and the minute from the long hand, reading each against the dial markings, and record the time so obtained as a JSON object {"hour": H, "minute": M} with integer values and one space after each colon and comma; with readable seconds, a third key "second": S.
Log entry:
{"hour": 2, "minute": 24}
